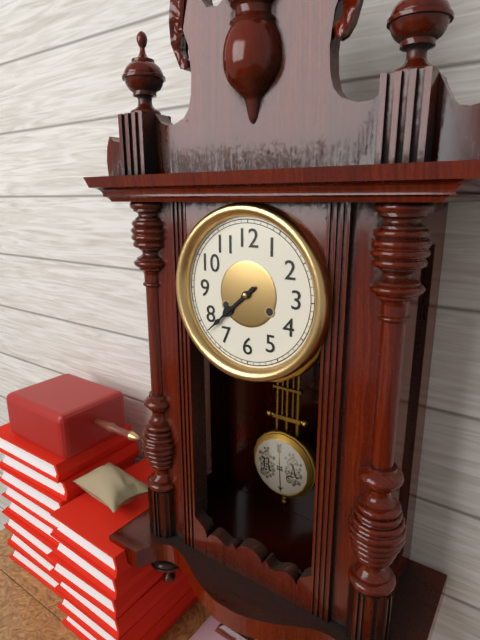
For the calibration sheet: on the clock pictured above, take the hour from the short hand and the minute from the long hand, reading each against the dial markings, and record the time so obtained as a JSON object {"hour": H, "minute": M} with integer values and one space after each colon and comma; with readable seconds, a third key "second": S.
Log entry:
{"hour": 7, "minute": 38}
